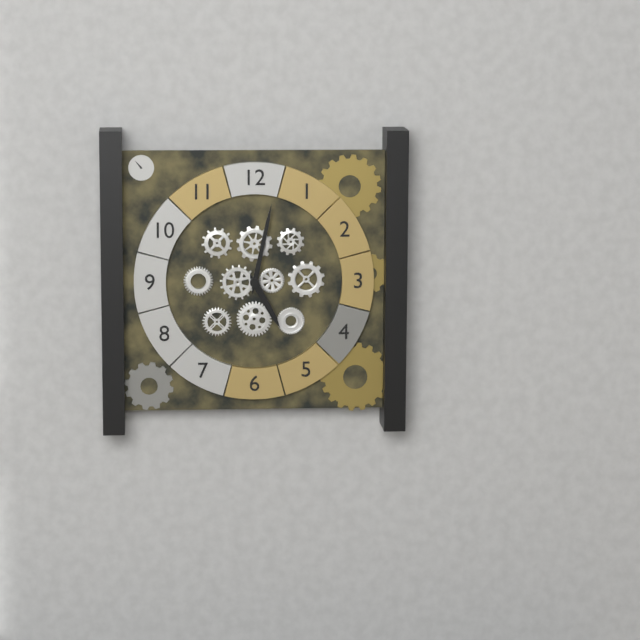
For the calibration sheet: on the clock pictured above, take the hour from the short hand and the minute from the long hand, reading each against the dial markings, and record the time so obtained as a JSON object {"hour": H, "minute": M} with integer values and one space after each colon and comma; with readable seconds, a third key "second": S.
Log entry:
{"hour": 5, "minute": 2}
